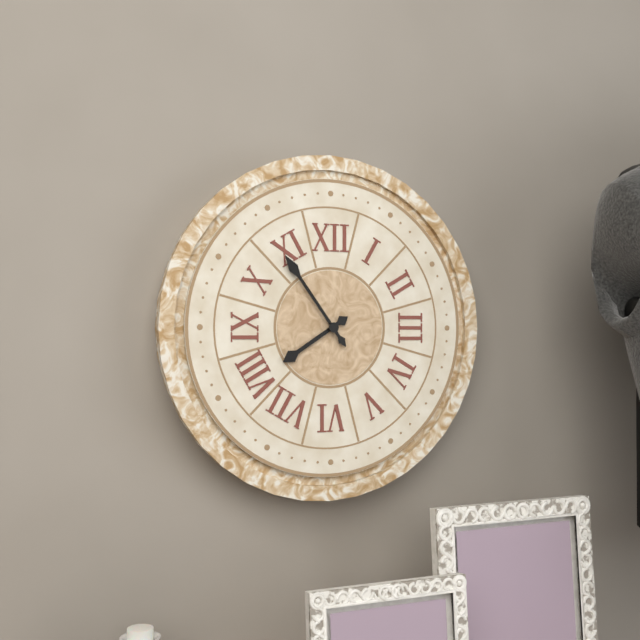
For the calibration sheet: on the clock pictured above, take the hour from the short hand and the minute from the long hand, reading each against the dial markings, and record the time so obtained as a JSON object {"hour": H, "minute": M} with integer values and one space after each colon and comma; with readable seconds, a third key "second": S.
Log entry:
{"hour": 7, "minute": 54}
